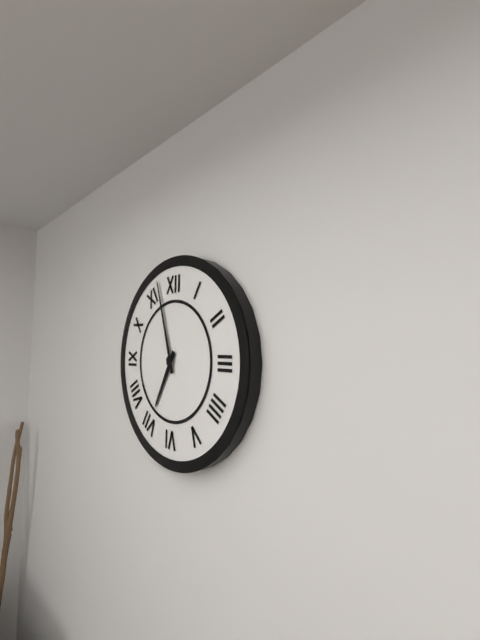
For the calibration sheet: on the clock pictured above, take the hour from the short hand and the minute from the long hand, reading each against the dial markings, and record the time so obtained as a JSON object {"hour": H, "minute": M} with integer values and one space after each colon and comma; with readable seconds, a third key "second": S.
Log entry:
{"hour": 6, "minute": 57}
